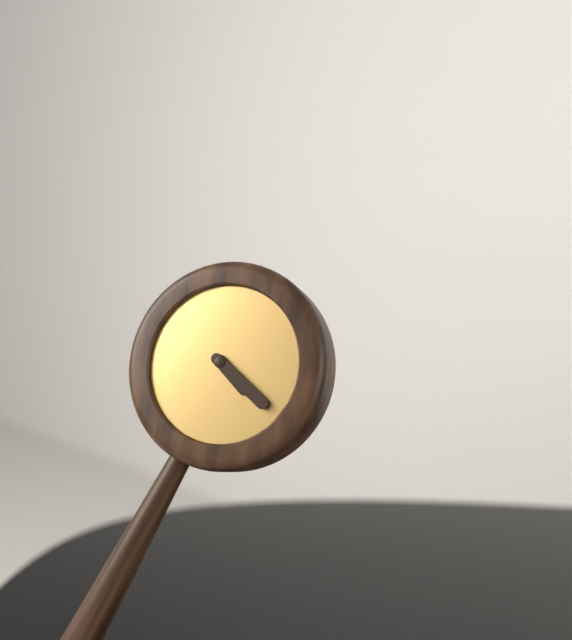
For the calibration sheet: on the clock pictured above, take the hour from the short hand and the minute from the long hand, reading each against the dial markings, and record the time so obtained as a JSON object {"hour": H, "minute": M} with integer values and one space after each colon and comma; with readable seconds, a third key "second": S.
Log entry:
{"hour": 4, "minute": 21}
